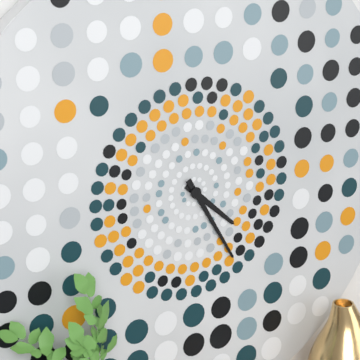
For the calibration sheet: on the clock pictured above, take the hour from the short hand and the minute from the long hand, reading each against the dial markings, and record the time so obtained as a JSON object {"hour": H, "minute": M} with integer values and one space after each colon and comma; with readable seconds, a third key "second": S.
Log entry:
{"hour": 4, "minute": 25}
